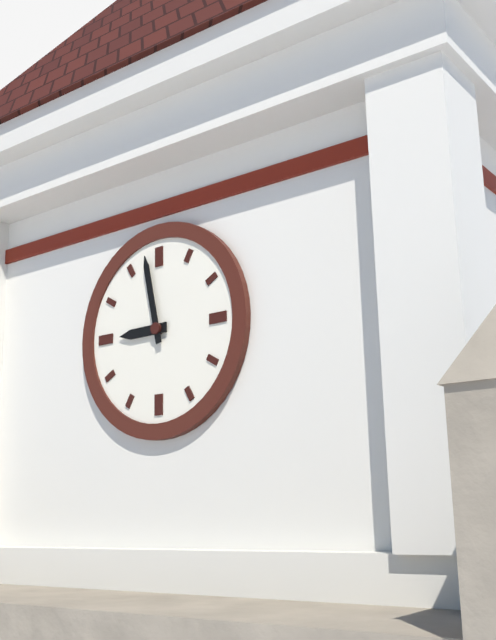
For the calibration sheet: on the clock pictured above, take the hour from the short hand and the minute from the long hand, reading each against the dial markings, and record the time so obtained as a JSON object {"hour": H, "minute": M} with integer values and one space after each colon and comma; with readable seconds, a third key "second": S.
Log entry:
{"hour": 8, "minute": 58}
